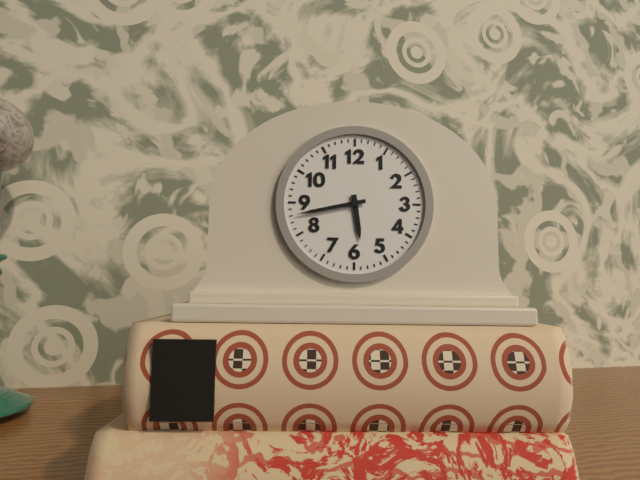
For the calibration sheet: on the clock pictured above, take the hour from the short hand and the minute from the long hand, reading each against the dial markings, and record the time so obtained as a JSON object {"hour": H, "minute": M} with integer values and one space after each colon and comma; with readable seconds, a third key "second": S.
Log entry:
{"hour": 5, "minute": 43}
